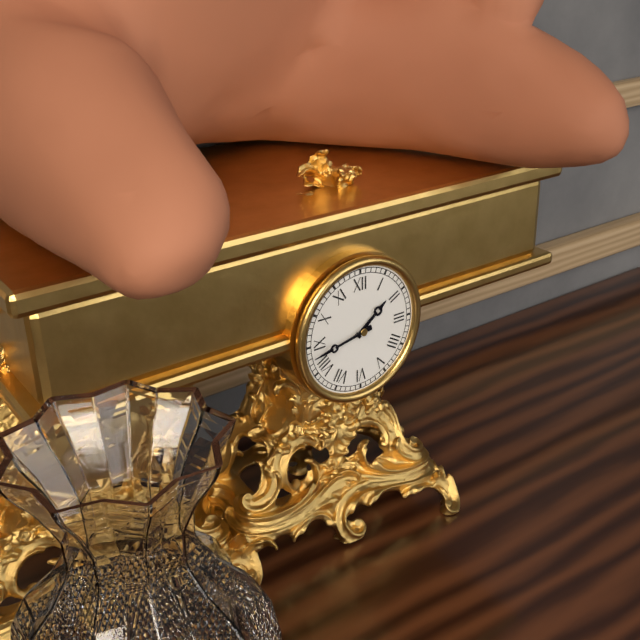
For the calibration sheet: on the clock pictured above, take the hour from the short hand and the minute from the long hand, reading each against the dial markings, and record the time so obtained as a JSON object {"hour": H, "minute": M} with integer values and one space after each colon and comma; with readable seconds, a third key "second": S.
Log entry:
{"hour": 1, "minute": 43}
